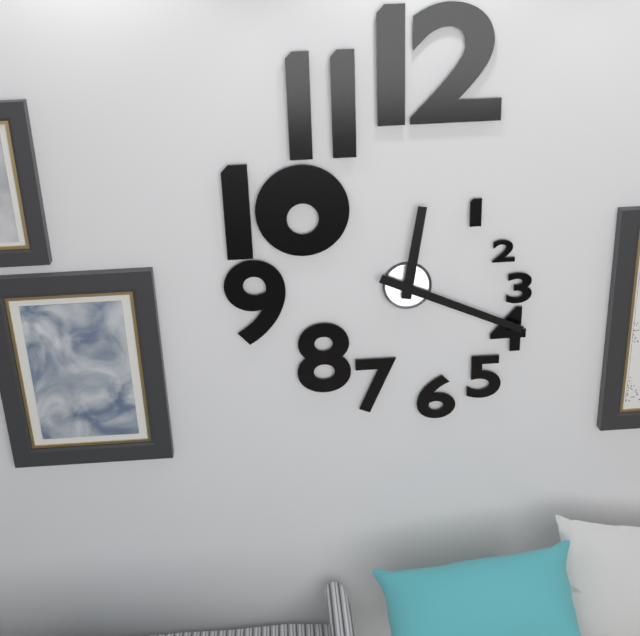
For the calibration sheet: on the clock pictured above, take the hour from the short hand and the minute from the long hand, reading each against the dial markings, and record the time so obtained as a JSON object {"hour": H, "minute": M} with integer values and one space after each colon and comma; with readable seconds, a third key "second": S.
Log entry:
{"hour": 12, "minute": 19}
